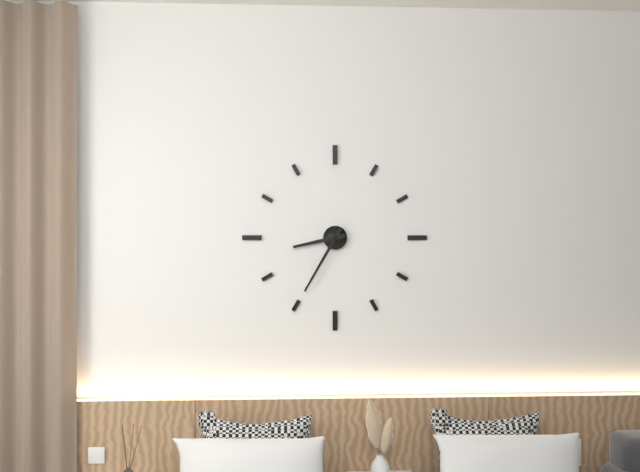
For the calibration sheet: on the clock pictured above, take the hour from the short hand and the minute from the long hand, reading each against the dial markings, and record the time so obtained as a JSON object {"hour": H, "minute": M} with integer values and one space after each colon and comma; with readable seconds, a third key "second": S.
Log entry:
{"hour": 8, "minute": 35}
